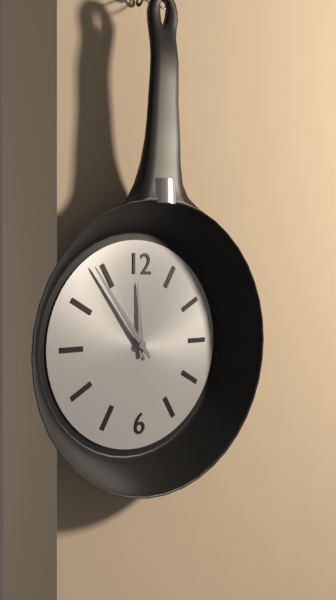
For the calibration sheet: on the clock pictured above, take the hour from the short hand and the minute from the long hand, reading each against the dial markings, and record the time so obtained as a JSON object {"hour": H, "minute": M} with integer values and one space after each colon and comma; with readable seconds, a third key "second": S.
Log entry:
{"hour": 11, "minute": 54}
